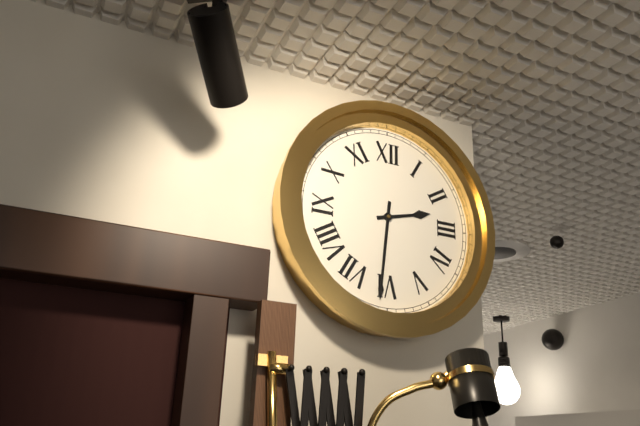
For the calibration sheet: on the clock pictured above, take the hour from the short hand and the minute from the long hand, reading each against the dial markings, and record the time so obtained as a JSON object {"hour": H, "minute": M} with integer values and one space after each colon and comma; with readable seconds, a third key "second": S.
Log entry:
{"hour": 2, "minute": 31}
